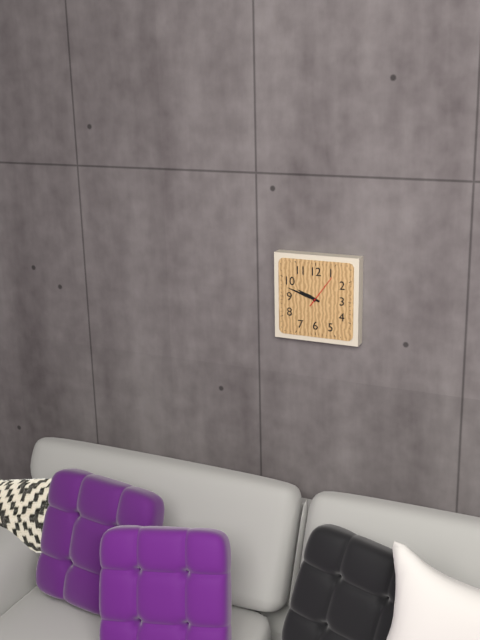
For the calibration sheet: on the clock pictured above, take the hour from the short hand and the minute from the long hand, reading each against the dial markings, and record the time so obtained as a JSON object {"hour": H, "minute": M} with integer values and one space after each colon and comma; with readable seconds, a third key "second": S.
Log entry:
{"hour": 9, "minute": 48}
